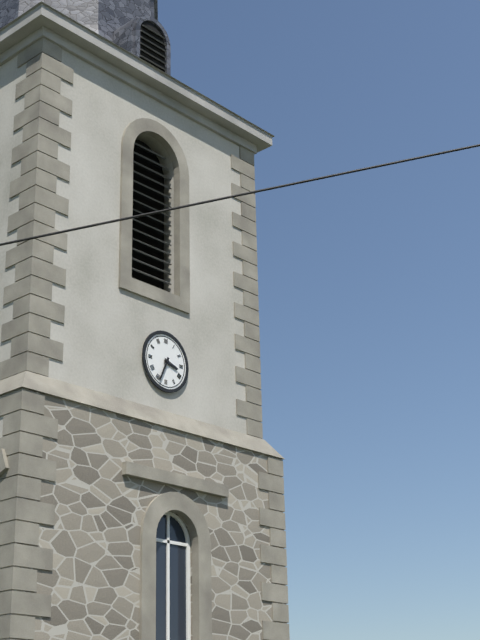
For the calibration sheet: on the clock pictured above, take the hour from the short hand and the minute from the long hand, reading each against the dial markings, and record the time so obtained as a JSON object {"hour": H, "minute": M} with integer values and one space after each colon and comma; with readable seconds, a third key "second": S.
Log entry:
{"hour": 3, "minute": 34}
